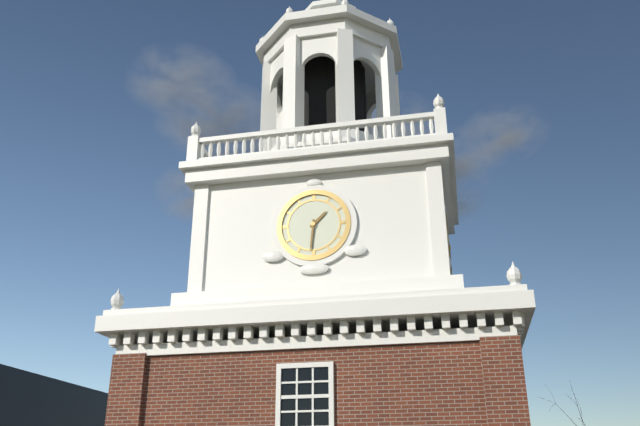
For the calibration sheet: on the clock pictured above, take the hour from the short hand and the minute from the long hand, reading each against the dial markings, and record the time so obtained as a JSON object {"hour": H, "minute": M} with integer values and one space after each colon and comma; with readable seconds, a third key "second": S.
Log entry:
{"hour": 1, "minute": 31}
